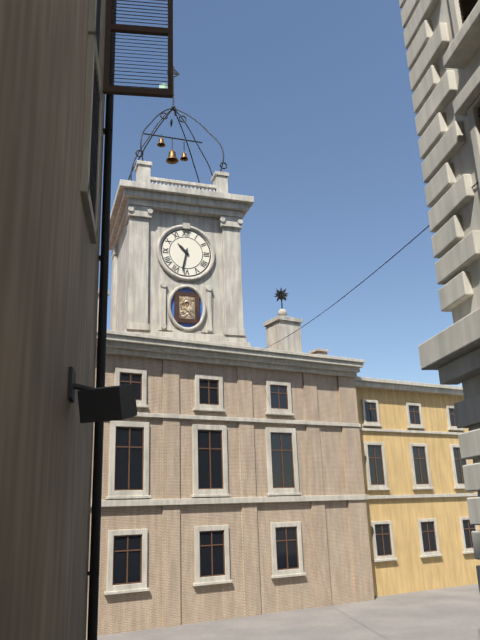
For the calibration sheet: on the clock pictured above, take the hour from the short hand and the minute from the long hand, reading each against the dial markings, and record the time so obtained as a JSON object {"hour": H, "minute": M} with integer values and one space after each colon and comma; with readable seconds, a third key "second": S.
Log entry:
{"hour": 10, "minute": 32}
